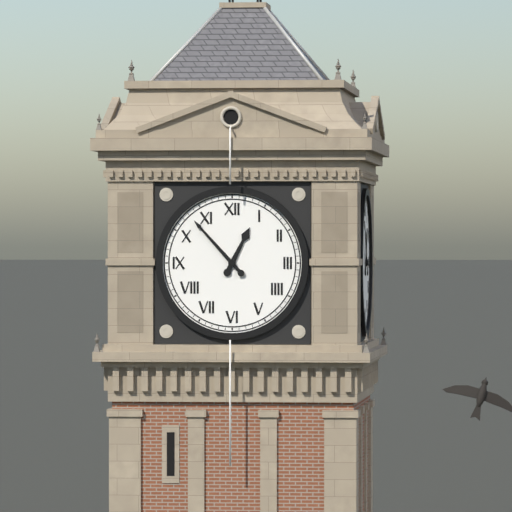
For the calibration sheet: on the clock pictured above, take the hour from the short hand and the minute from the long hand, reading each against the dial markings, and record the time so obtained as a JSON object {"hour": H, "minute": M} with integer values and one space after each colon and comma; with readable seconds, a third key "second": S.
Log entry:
{"hour": 12, "minute": 53}
